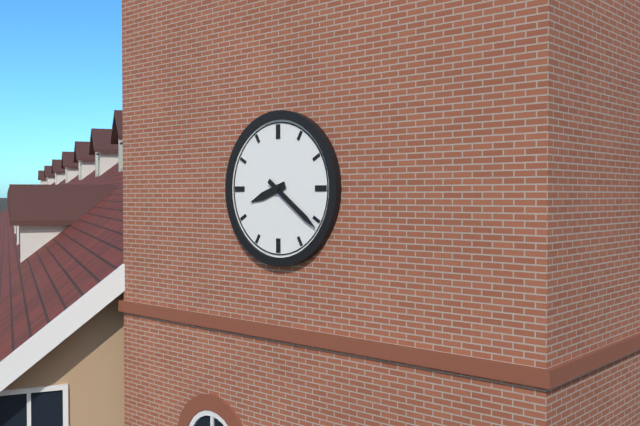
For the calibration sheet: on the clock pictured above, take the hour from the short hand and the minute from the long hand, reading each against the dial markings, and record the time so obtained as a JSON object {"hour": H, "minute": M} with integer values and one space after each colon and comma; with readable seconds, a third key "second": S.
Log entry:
{"hour": 8, "minute": 21}
